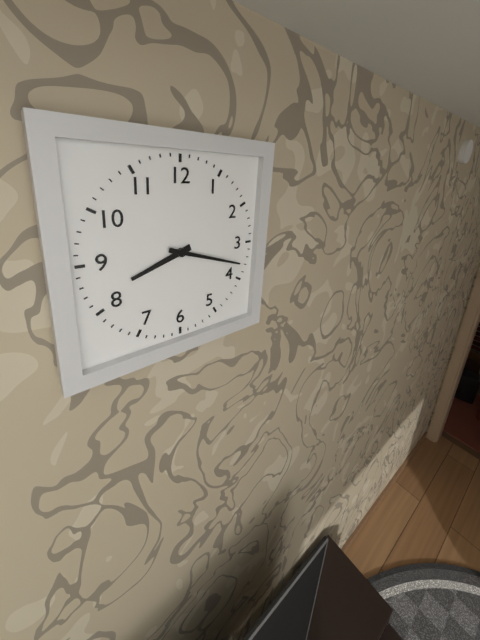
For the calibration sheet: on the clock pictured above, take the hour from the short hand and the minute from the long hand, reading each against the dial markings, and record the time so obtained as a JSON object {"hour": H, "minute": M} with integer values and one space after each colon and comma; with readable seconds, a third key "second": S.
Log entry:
{"hour": 8, "minute": 18}
